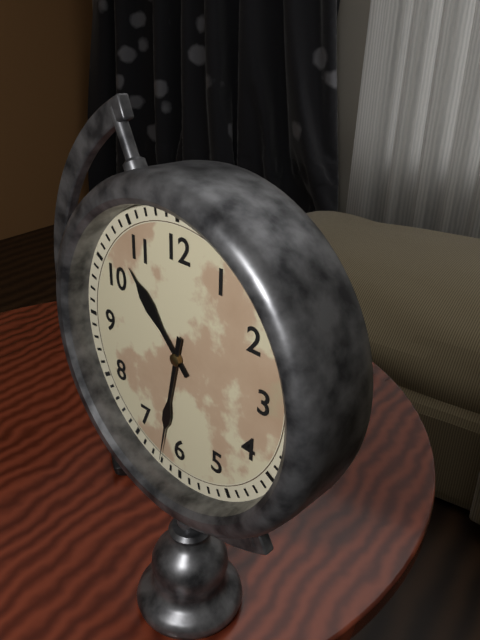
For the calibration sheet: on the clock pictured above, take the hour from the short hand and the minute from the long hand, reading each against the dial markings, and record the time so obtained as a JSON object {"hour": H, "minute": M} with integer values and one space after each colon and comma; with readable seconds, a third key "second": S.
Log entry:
{"hour": 10, "minute": 32}
